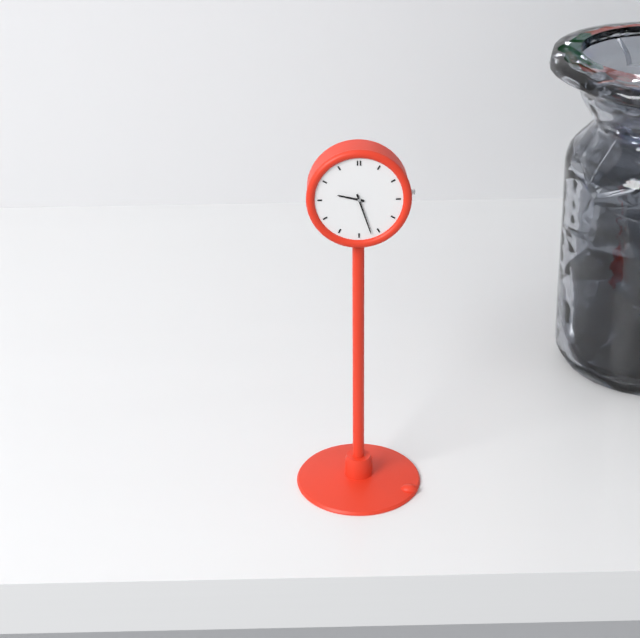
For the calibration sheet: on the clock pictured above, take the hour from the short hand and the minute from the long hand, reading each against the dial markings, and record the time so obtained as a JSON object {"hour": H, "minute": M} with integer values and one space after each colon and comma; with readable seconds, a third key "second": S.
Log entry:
{"hour": 9, "minute": 27}
